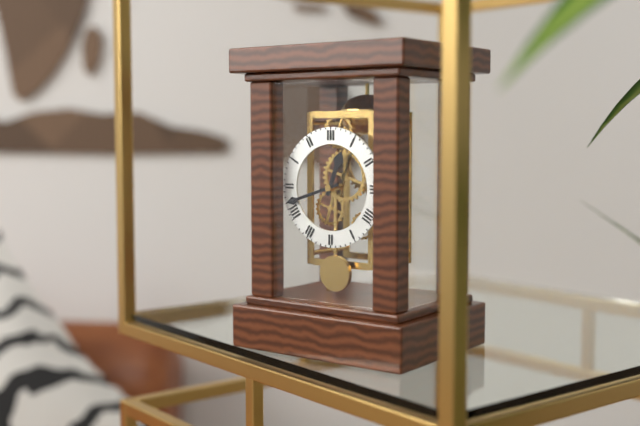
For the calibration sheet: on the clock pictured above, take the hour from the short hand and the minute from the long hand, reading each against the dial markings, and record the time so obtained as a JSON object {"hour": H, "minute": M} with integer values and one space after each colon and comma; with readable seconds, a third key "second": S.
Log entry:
{"hour": 12, "minute": 42}
